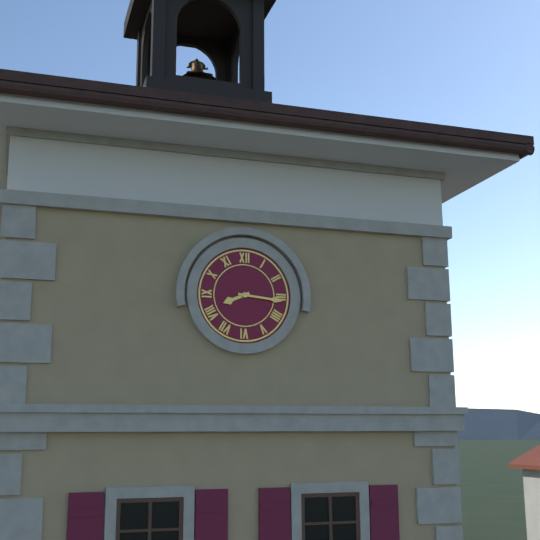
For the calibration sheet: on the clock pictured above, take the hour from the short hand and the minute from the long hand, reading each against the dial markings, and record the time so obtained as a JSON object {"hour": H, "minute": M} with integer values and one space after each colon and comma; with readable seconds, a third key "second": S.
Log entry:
{"hour": 8, "minute": 16}
